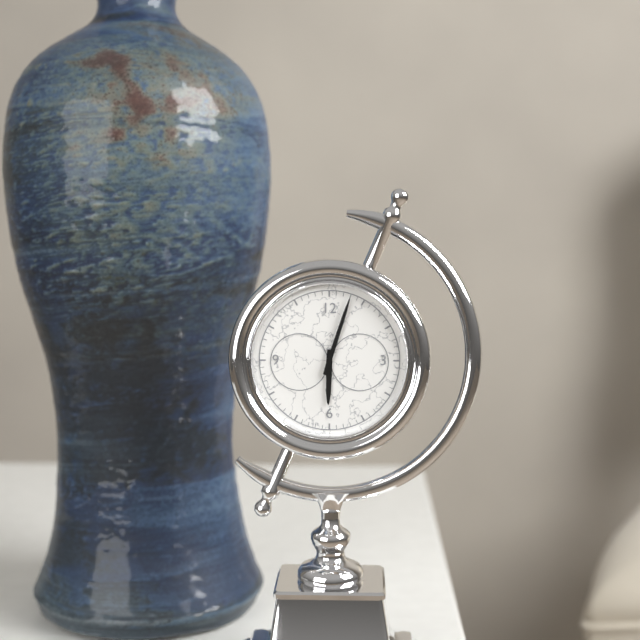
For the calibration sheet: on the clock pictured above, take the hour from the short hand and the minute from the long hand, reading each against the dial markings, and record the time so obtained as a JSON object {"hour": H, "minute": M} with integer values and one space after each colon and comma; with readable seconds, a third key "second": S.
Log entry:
{"hour": 6, "minute": 3}
